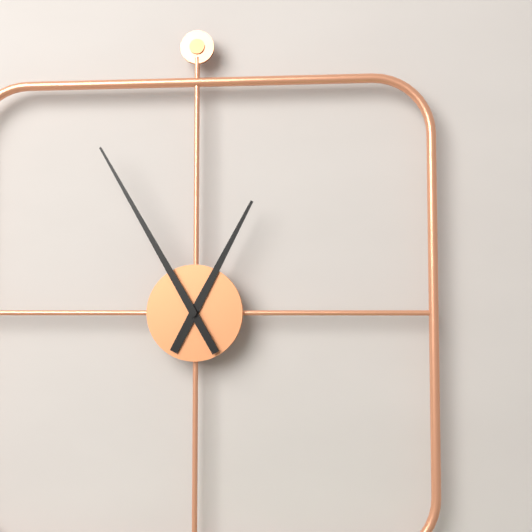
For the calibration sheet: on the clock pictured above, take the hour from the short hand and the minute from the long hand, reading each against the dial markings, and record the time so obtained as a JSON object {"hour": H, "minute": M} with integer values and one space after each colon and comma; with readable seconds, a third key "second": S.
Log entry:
{"hour": 12, "minute": 55}
